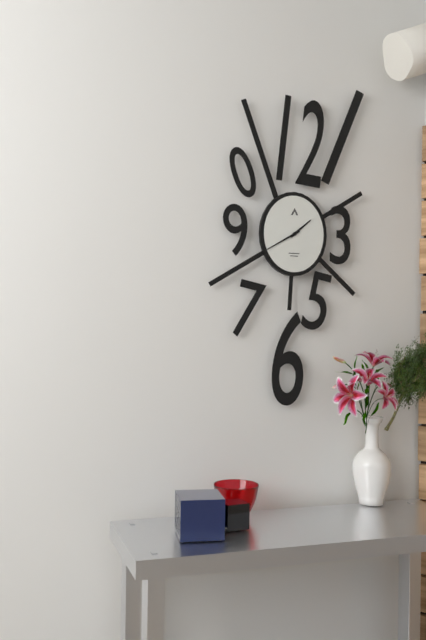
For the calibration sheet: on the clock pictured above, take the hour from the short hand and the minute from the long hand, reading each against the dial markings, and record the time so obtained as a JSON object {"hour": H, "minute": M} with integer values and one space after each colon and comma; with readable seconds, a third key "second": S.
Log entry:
{"hour": 1, "minute": 40}
